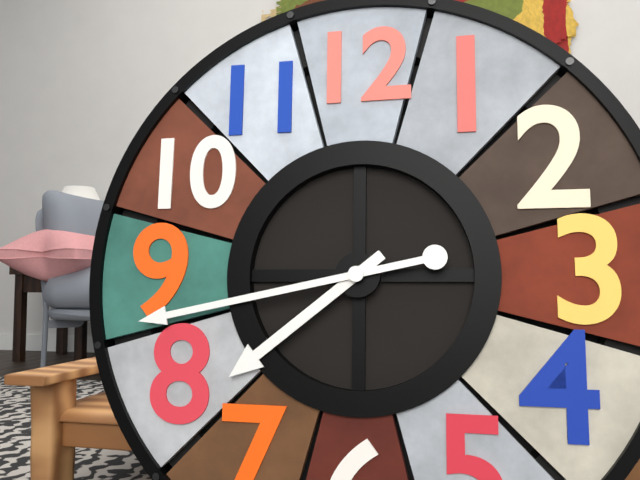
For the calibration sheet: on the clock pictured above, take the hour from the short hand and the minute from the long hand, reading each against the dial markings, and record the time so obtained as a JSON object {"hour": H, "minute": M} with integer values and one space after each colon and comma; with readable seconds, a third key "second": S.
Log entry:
{"hour": 7, "minute": 43}
